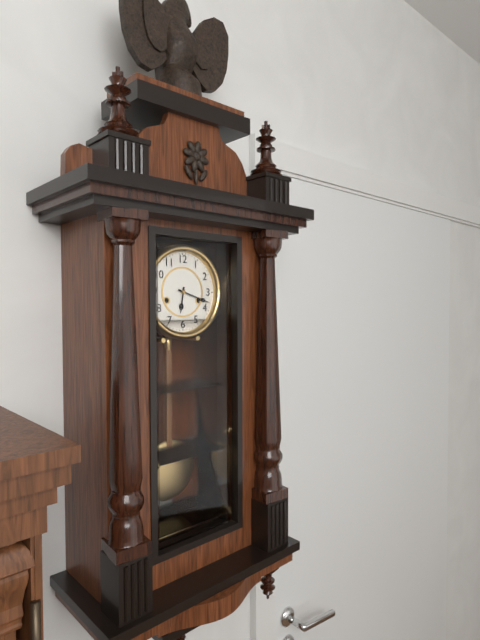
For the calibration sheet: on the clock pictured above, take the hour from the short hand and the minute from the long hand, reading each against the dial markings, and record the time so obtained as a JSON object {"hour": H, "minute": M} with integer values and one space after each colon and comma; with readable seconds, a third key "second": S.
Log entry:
{"hour": 6, "minute": 18}
